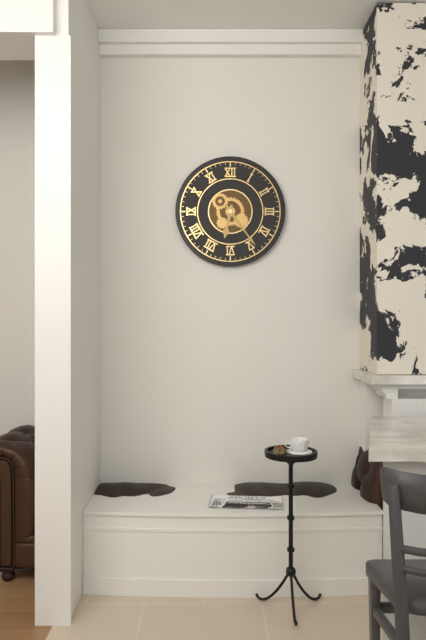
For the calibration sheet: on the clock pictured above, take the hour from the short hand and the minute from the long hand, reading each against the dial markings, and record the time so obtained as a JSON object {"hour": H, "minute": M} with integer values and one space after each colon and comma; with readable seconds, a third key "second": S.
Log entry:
{"hour": 6, "minute": 24}
